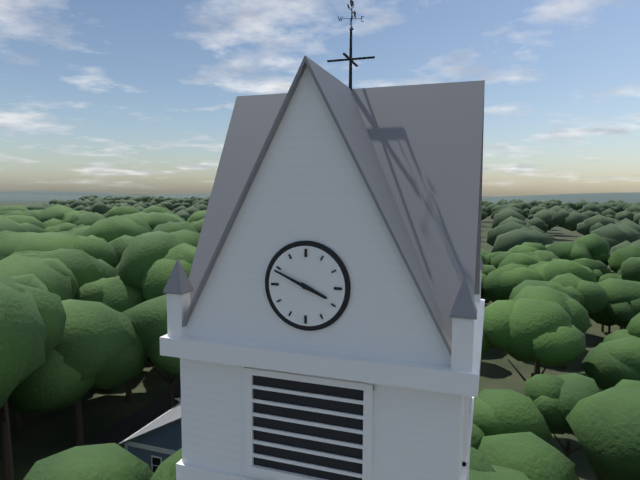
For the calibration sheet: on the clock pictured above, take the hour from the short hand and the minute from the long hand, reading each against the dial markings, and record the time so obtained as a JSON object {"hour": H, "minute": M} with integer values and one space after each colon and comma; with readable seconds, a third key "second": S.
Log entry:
{"hour": 3, "minute": 49}
